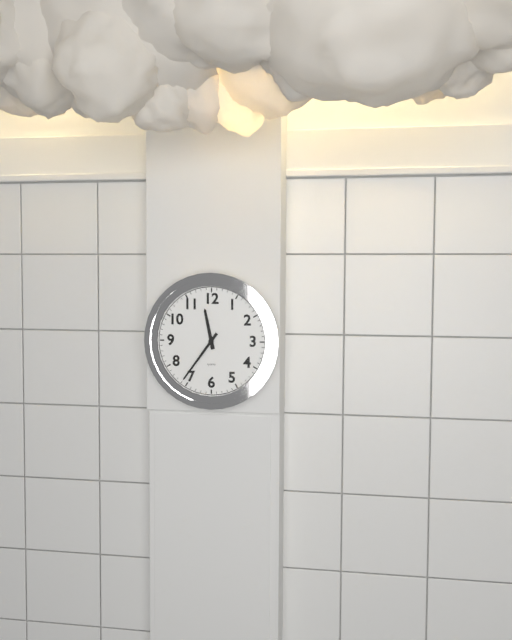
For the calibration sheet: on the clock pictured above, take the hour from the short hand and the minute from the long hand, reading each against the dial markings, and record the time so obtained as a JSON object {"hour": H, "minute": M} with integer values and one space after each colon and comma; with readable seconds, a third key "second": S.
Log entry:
{"hour": 11, "minute": 36}
